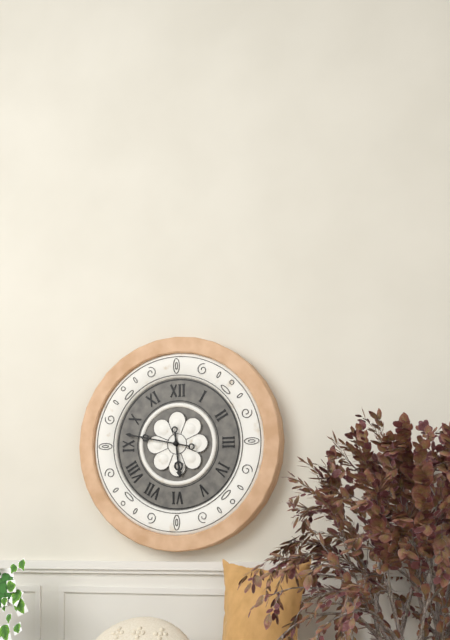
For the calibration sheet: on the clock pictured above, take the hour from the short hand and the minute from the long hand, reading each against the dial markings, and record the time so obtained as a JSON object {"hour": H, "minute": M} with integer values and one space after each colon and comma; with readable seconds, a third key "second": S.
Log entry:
{"hour": 5, "minute": 47}
